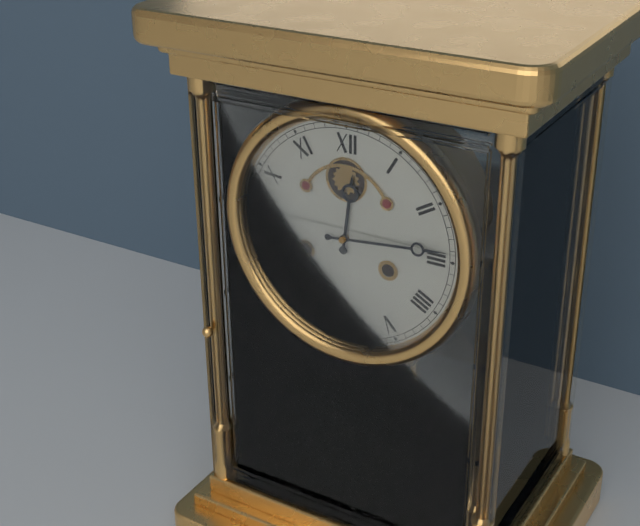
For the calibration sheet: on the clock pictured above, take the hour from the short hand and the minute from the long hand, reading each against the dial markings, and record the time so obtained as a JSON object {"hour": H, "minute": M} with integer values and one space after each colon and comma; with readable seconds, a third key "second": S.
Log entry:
{"hour": 12, "minute": 14}
